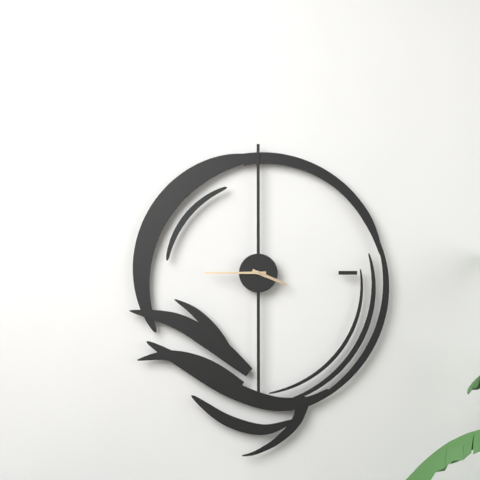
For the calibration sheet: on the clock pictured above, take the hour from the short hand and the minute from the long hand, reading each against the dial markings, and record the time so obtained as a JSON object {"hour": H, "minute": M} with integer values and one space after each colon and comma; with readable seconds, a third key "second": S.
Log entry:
{"hour": 3, "minute": 45}
